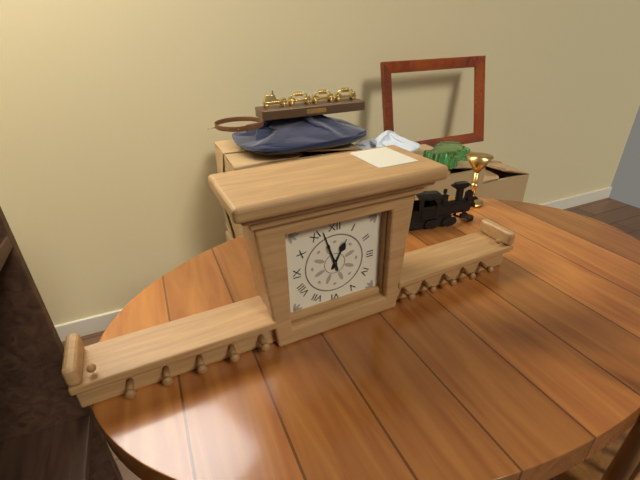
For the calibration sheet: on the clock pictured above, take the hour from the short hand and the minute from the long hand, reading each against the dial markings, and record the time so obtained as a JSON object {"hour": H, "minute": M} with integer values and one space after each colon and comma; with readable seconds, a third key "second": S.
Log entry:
{"hour": 12, "minute": 57}
